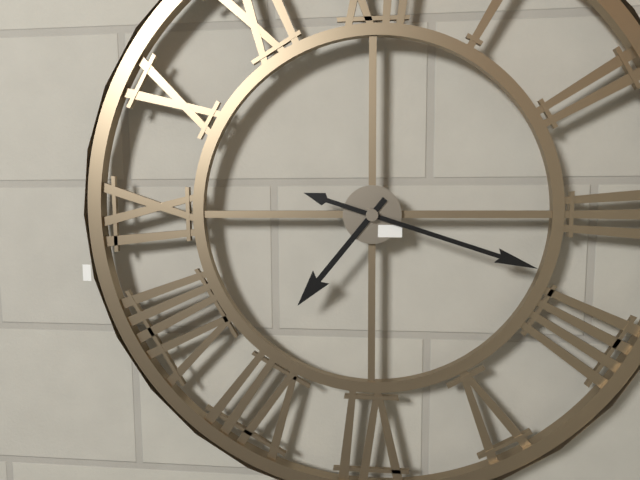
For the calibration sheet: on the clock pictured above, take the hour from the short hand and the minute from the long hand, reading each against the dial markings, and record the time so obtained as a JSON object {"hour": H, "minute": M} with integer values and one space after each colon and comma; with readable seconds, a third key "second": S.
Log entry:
{"hour": 7, "minute": 18}
